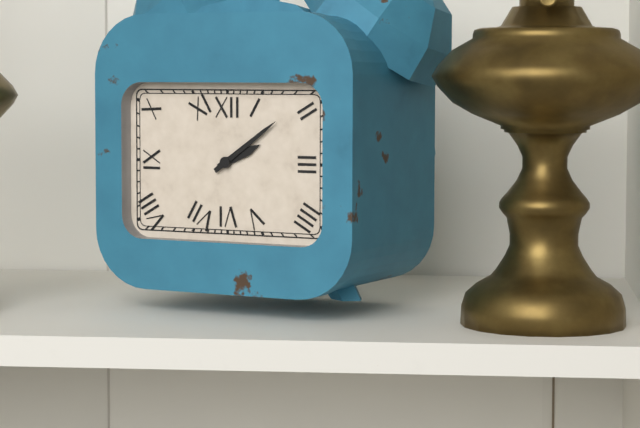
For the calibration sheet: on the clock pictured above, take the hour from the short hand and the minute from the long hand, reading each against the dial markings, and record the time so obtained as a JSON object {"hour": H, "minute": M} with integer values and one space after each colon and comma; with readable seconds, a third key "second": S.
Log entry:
{"hour": 2, "minute": 9}
